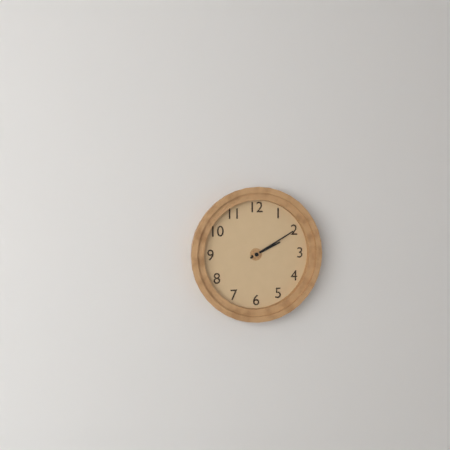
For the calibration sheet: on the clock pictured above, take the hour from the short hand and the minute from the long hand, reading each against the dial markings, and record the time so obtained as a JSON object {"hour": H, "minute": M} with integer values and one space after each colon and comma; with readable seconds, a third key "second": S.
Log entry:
{"hour": 2, "minute": 10}
